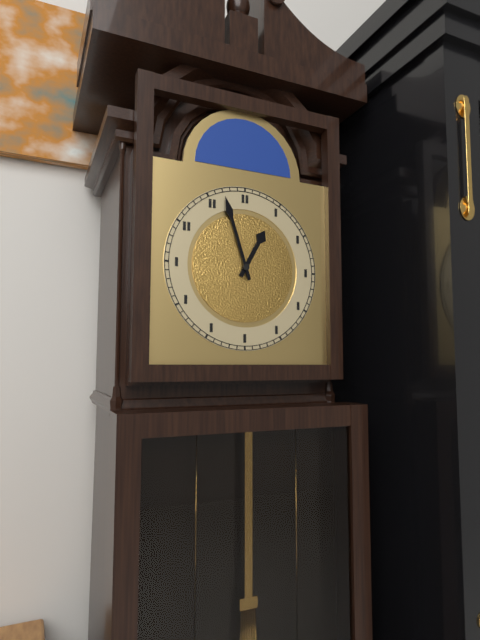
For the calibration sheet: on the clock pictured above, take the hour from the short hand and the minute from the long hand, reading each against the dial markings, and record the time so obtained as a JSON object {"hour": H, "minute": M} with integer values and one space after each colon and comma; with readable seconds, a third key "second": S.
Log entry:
{"hour": 12, "minute": 57}
